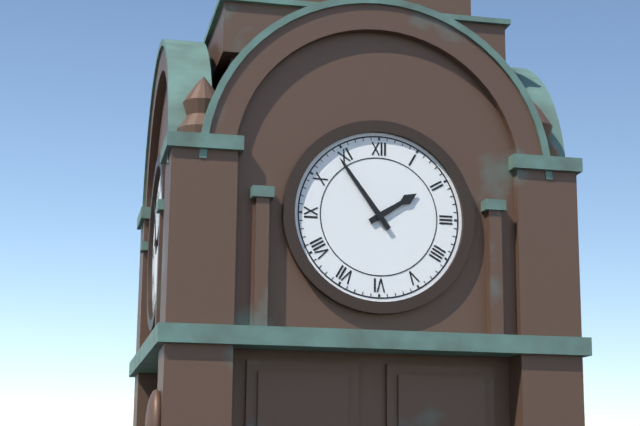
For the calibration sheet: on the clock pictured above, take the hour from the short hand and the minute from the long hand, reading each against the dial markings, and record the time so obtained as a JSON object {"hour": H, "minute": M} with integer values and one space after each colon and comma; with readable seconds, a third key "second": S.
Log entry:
{"hour": 1, "minute": 54}
